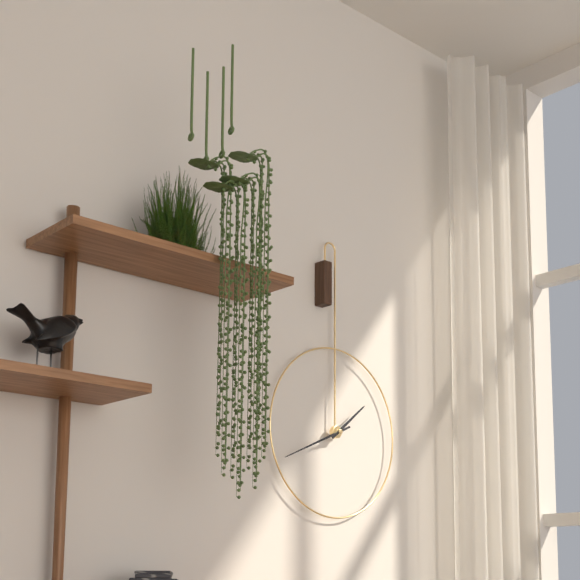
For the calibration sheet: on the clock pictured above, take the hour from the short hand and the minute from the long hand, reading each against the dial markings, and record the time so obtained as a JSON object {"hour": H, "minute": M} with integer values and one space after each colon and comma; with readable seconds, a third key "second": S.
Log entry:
{"hour": 1, "minute": 41}
